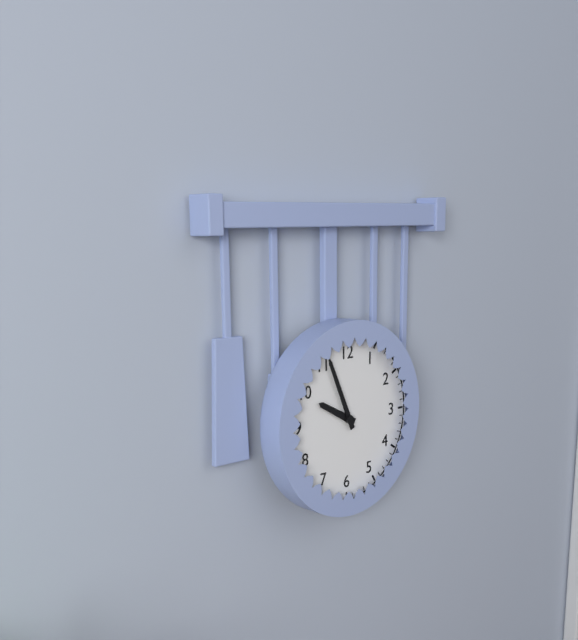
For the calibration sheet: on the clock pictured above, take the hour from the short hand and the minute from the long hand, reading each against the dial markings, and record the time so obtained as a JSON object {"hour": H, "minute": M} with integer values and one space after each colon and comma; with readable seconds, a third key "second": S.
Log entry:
{"hour": 9, "minute": 56}
